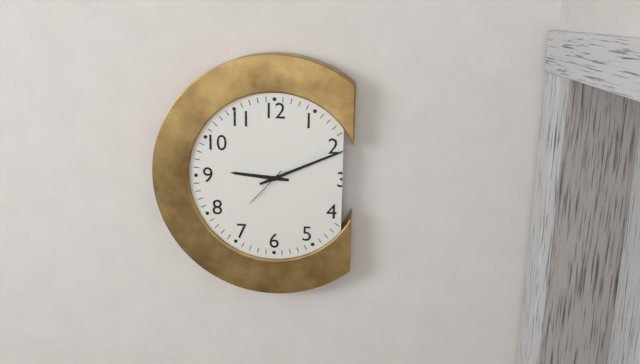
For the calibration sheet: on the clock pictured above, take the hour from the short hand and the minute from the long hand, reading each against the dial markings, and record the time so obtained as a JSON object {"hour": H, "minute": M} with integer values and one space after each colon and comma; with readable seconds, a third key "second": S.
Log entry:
{"hour": 9, "minute": 11}
